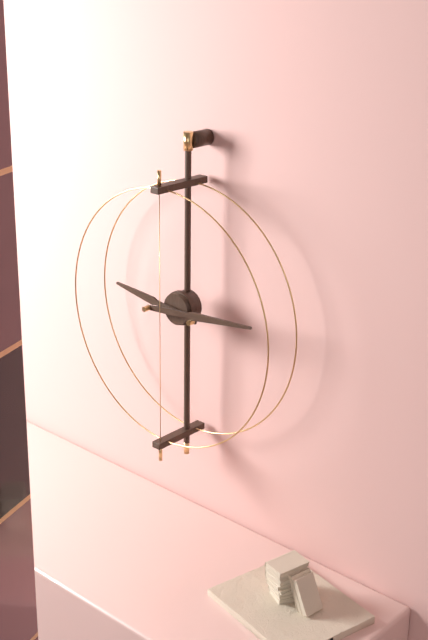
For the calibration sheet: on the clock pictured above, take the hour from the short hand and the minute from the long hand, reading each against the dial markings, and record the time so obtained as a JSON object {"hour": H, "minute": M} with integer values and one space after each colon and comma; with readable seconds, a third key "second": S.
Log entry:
{"hour": 9, "minute": 14}
